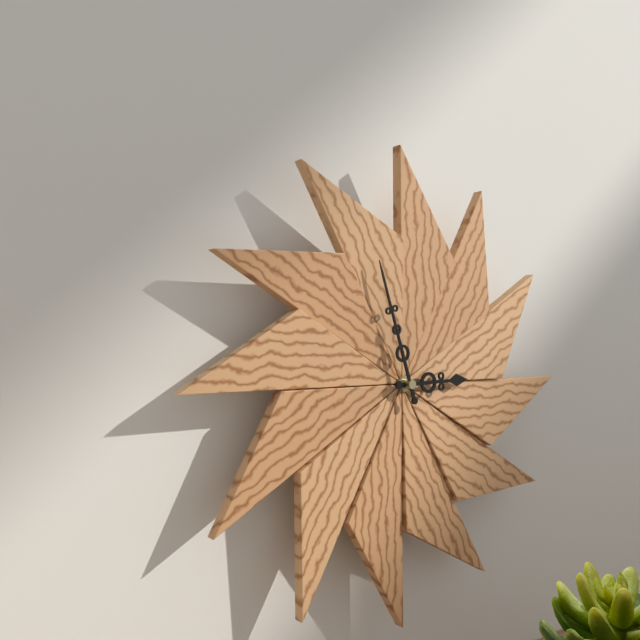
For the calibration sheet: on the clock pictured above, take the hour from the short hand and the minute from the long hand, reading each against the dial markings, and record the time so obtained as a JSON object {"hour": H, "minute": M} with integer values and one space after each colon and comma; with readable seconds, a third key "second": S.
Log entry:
{"hour": 2, "minute": 57}
